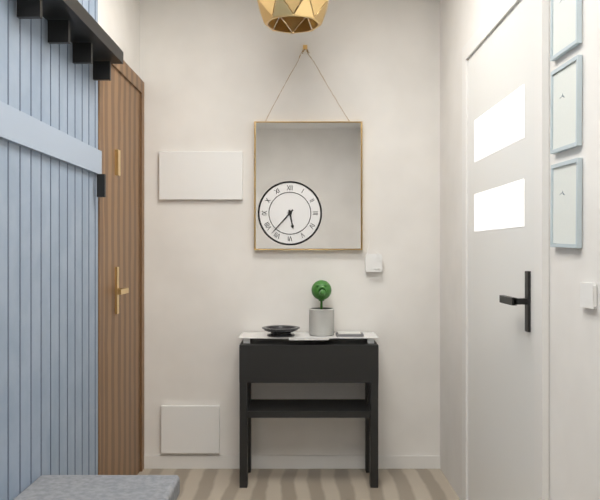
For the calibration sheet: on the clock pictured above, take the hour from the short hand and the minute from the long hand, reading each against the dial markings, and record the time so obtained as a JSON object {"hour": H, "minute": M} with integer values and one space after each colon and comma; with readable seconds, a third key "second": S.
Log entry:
{"hour": 5, "minute": 37}
